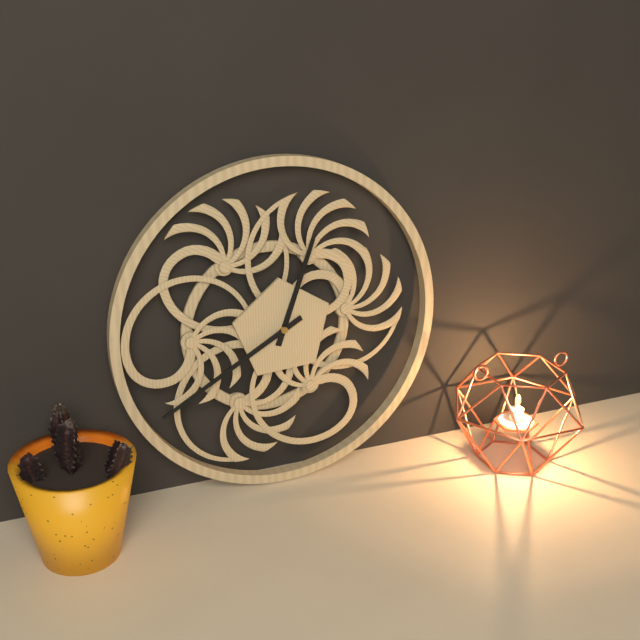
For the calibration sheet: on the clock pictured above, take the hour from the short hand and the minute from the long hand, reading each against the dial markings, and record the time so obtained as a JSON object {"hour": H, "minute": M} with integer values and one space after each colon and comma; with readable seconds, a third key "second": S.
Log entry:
{"hour": 12, "minute": 40}
